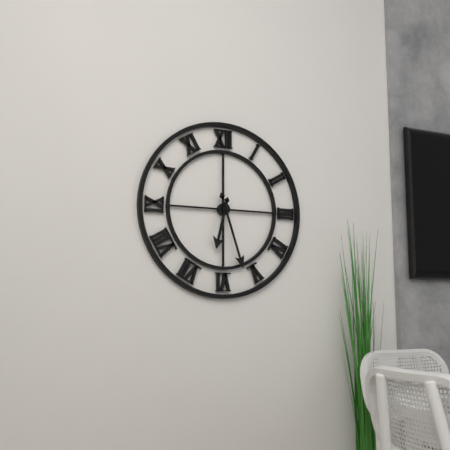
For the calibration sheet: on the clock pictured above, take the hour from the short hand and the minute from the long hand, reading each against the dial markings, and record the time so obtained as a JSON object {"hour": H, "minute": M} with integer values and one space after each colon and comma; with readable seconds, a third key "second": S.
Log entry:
{"hour": 6, "minute": 27}
